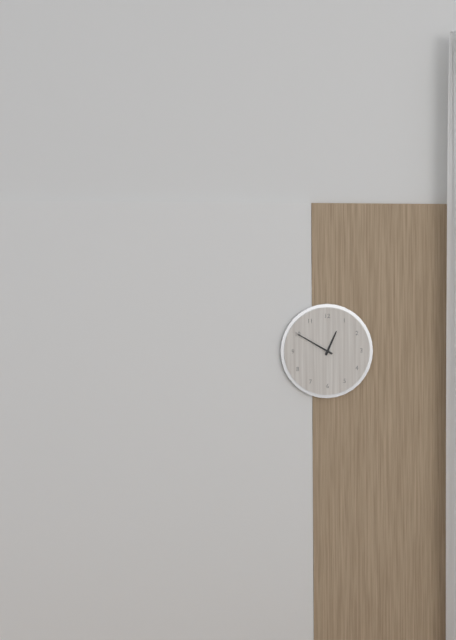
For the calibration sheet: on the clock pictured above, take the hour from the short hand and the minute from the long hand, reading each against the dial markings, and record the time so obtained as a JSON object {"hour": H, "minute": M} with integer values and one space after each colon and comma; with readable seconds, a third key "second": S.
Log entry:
{"hour": 12, "minute": 50}
